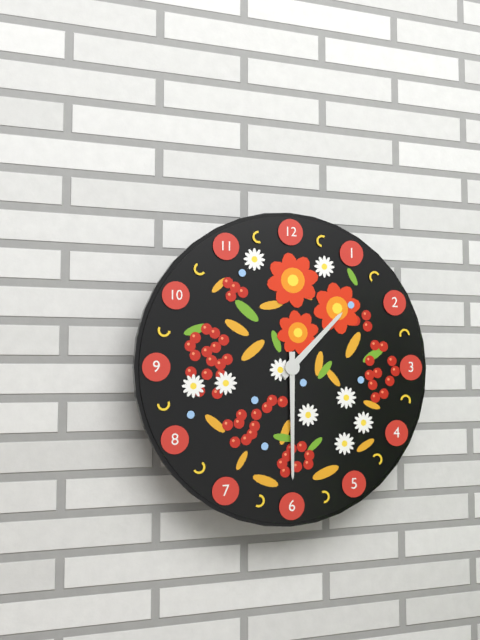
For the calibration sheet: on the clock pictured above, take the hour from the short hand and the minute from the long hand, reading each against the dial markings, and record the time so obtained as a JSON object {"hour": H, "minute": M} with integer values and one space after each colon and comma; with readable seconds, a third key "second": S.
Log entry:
{"hour": 1, "minute": 30}
